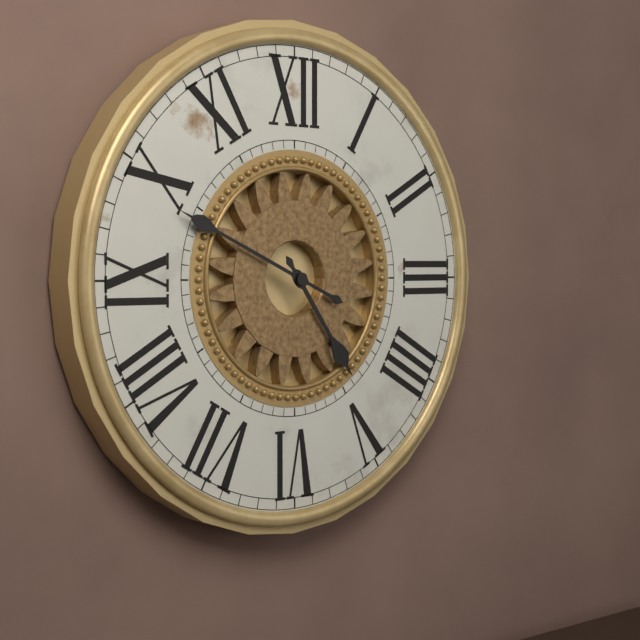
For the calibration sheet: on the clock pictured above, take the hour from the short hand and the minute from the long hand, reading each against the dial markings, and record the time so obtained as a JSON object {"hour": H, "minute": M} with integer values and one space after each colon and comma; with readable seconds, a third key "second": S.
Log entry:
{"hour": 4, "minute": 49}
